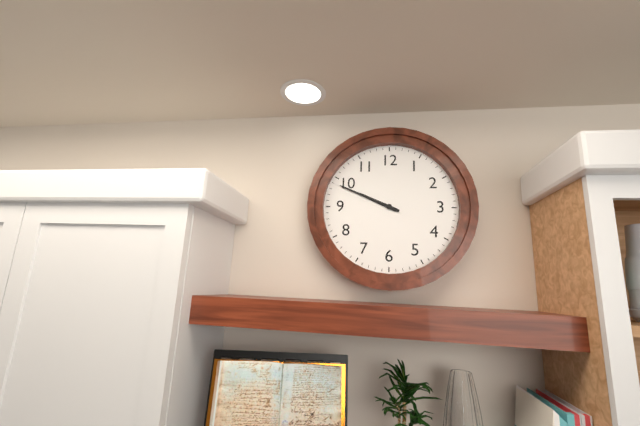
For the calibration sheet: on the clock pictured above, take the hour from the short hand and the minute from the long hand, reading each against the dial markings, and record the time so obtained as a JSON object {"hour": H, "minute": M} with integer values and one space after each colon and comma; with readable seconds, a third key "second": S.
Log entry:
{"hour": 9, "minute": 49}
